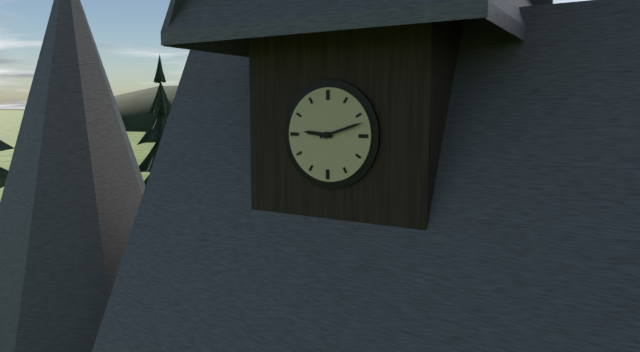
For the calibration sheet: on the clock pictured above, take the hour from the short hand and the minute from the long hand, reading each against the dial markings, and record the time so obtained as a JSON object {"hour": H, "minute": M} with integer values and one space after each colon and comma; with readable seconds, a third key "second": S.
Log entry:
{"hour": 9, "minute": 12}
